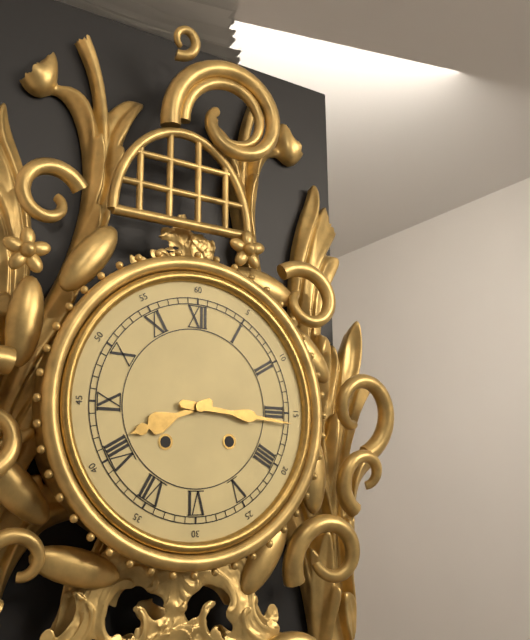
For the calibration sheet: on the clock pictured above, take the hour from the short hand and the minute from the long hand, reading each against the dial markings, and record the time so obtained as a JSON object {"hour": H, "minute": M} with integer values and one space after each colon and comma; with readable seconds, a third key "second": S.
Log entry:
{"hour": 8, "minute": 16}
